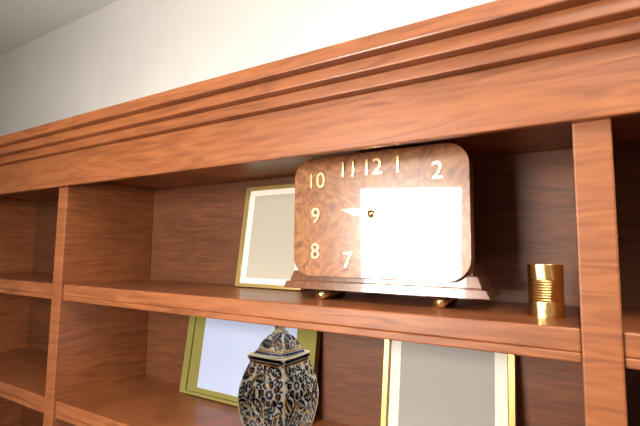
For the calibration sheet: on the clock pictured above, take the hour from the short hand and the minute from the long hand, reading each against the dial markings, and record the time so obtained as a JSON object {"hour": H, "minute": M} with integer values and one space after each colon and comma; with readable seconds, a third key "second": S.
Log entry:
{"hour": 9, "minute": 18}
